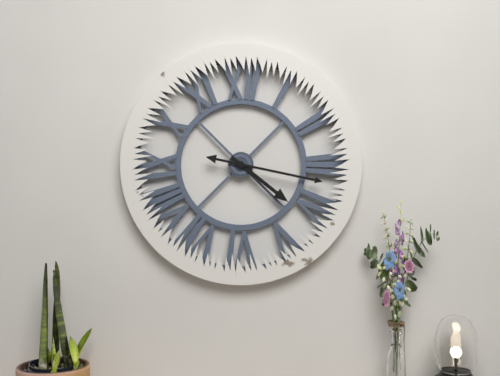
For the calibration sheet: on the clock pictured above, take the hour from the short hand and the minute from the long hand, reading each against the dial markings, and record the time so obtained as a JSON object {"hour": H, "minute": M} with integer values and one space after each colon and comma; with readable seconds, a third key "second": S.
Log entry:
{"hour": 4, "minute": 17}
